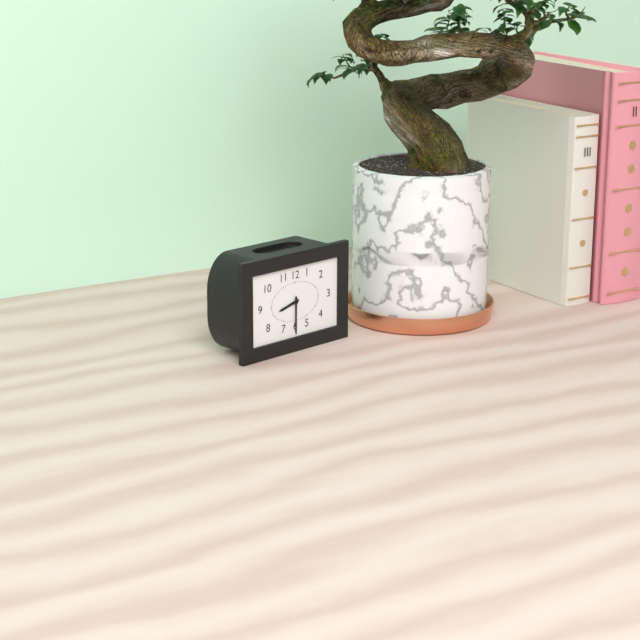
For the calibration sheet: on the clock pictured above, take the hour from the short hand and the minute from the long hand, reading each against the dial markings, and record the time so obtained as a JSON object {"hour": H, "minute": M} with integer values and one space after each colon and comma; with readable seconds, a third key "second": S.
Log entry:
{"hour": 8, "minute": 30}
